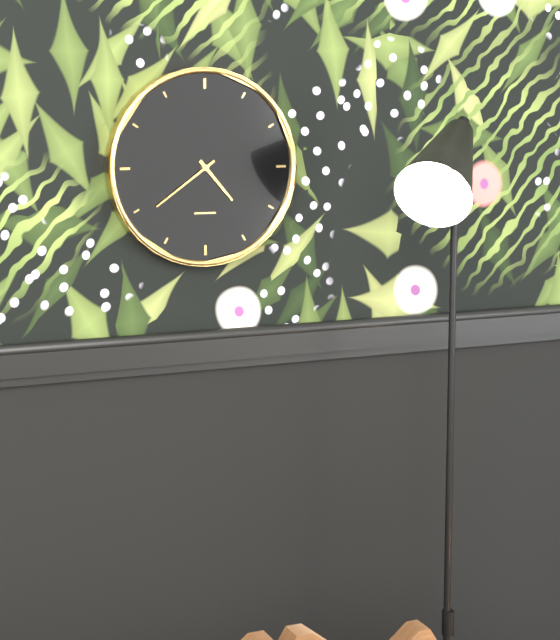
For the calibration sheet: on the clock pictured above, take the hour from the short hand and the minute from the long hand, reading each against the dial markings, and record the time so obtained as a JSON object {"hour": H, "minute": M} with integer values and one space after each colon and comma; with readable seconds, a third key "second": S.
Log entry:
{"hour": 4, "minute": 39}
